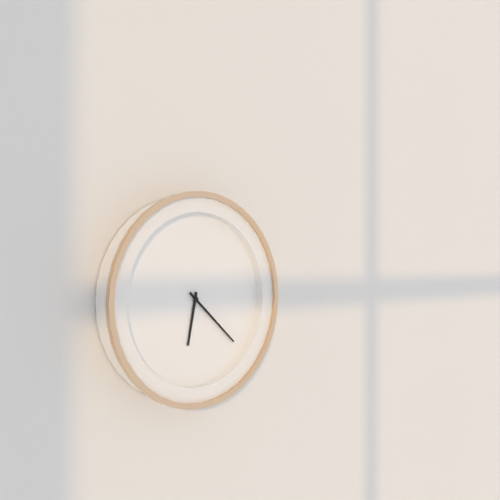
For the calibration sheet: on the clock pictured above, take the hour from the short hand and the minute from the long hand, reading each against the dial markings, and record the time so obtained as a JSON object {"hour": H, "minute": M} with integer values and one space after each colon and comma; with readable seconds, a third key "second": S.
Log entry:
{"hour": 6, "minute": 22}
